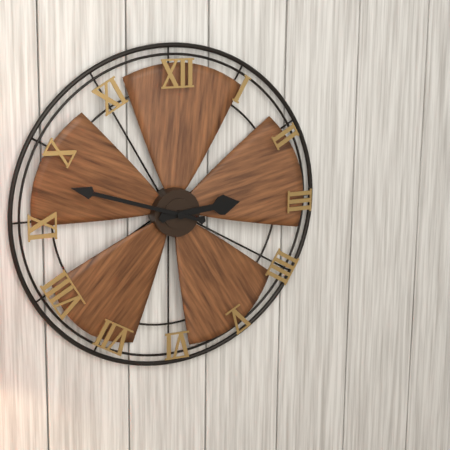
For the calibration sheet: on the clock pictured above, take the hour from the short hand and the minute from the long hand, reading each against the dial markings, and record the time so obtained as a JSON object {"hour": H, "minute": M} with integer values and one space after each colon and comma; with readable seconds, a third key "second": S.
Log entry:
{"hour": 2, "minute": 48}
